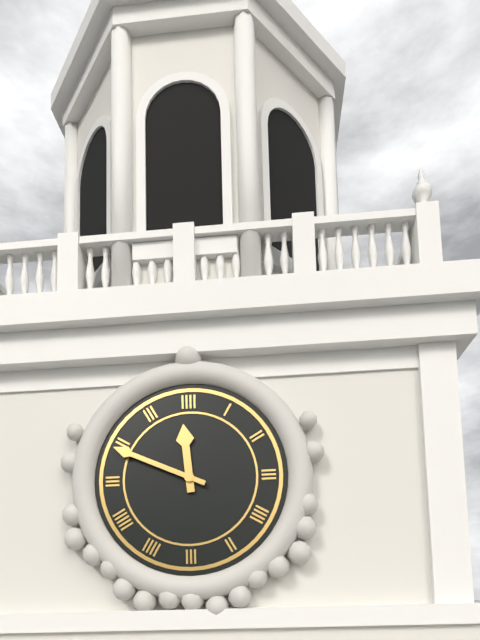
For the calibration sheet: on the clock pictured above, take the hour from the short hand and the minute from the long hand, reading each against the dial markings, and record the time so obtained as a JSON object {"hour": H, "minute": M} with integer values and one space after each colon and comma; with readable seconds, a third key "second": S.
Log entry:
{"hour": 11, "minute": 49}
